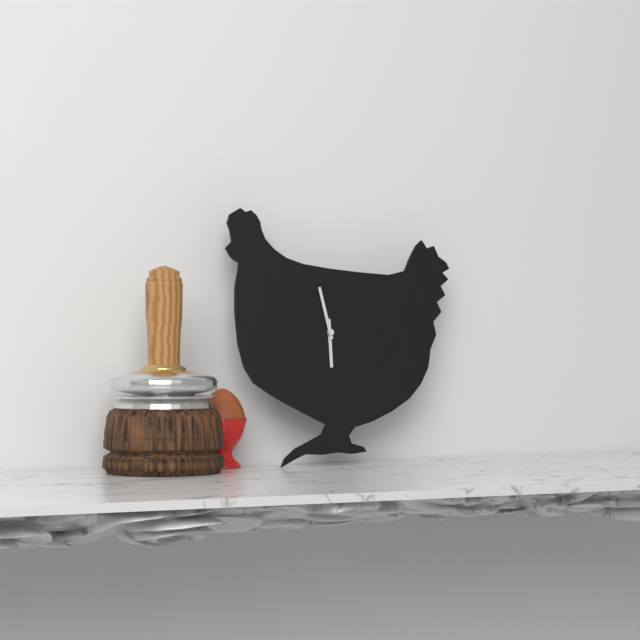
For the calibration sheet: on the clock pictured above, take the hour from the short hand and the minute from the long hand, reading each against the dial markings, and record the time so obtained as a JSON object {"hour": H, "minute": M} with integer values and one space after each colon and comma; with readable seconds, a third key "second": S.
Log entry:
{"hour": 5, "minute": 58}
